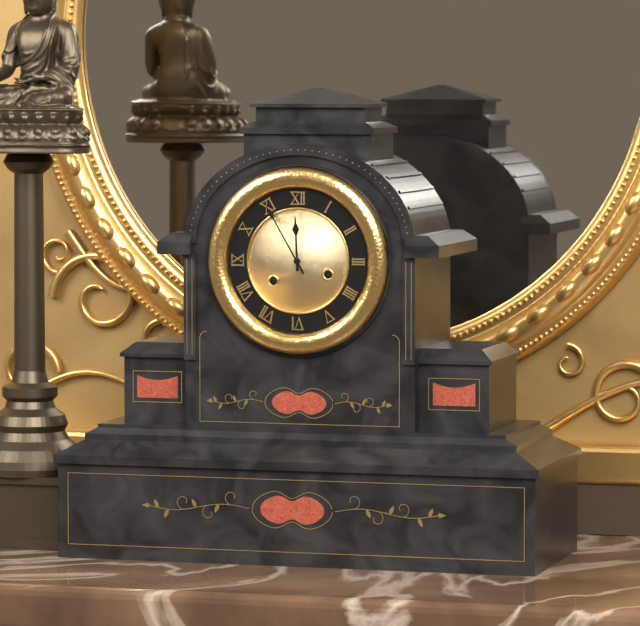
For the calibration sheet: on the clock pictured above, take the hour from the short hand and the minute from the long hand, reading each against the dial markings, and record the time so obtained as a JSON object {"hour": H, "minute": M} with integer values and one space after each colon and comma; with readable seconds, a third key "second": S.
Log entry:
{"hour": 11, "minute": 55}
